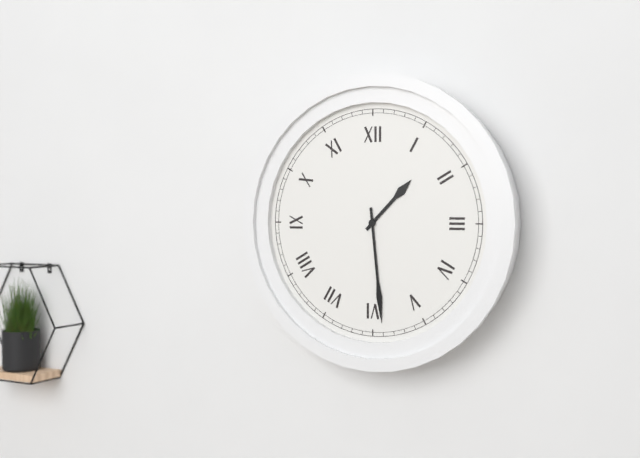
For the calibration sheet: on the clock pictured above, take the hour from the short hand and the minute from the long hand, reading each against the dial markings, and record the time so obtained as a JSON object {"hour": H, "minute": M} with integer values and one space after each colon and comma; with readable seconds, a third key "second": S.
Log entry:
{"hour": 1, "minute": 29}
